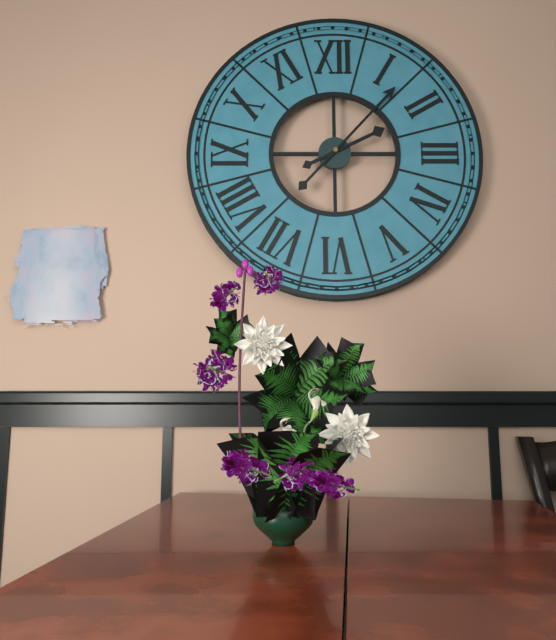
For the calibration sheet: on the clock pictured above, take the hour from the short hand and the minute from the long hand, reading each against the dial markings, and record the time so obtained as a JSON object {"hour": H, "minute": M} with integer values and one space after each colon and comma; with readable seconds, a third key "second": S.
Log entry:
{"hour": 2, "minute": 7}
